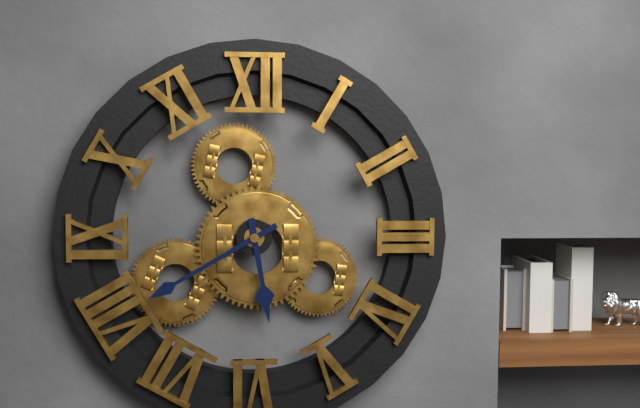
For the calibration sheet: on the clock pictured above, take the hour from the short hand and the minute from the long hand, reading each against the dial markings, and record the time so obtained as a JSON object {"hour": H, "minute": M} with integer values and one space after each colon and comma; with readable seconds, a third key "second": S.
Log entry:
{"hour": 5, "minute": 40}
